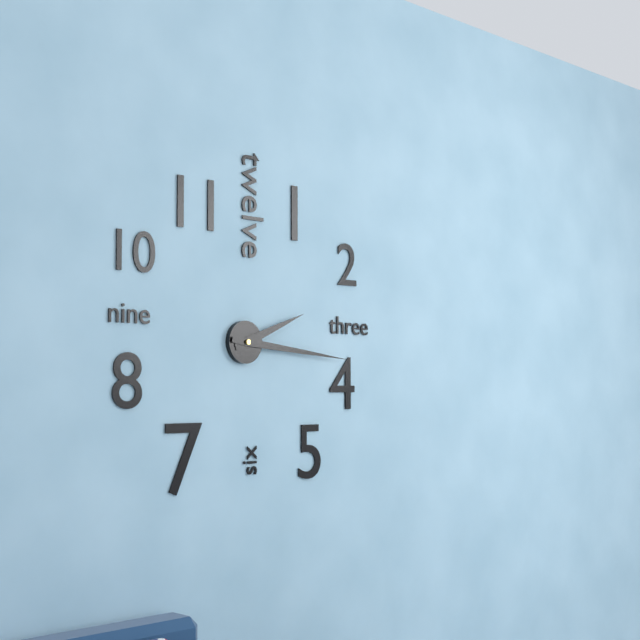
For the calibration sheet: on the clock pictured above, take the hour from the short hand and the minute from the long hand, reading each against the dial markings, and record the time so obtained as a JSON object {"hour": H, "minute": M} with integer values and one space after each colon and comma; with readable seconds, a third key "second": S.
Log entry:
{"hour": 2, "minute": 16}
